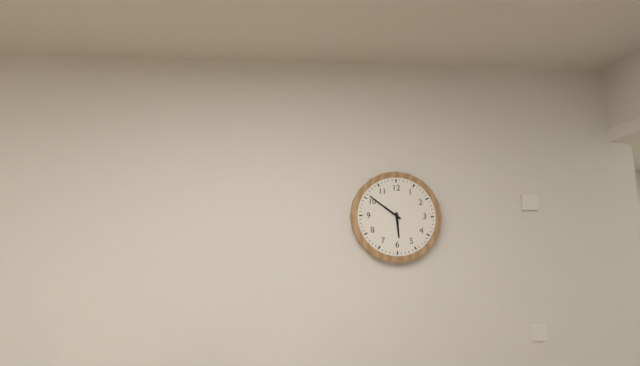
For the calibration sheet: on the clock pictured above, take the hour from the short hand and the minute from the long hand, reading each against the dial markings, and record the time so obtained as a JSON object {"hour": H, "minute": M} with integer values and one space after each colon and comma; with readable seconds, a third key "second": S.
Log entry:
{"hour": 5, "minute": 51}
